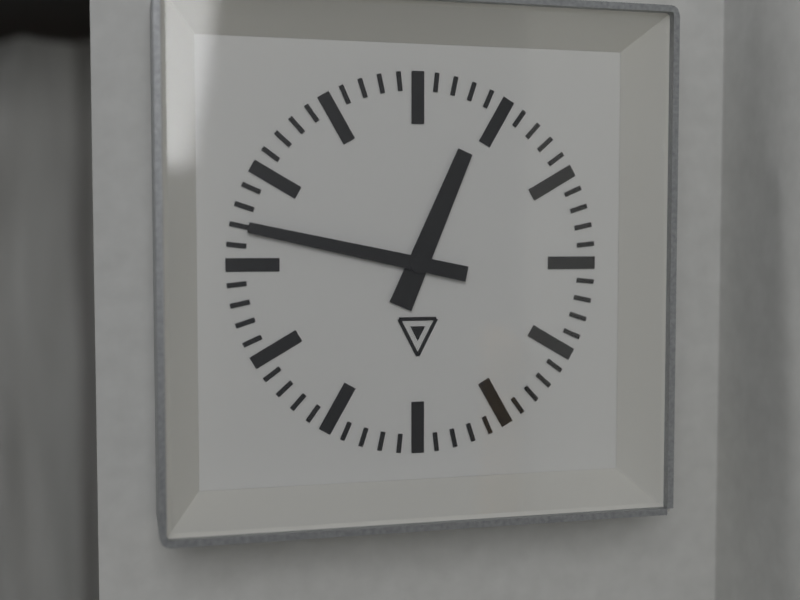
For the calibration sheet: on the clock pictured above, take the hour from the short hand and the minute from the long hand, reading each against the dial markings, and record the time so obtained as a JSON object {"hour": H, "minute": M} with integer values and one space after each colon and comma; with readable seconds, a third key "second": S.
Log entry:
{"hour": 12, "minute": 47}
